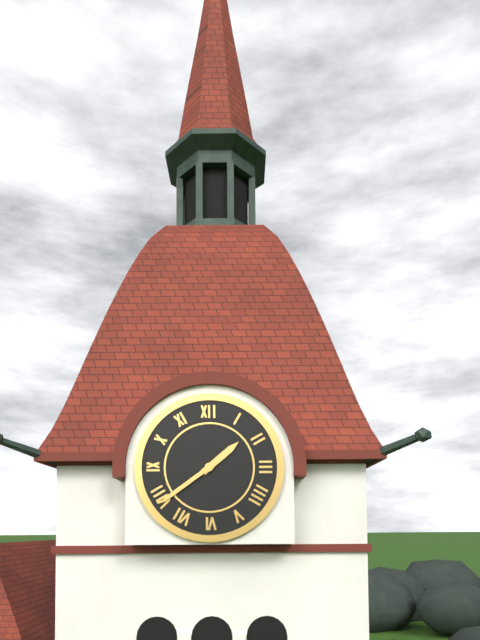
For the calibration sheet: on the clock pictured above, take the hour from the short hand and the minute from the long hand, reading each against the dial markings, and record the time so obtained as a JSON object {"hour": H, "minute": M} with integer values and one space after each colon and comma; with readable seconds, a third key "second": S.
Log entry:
{"hour": 1, "minute": 39}
